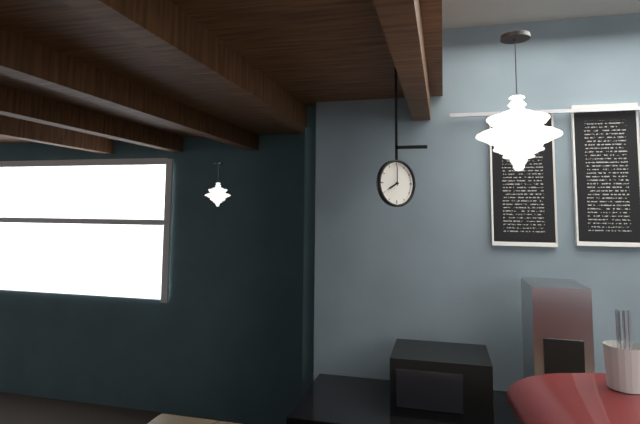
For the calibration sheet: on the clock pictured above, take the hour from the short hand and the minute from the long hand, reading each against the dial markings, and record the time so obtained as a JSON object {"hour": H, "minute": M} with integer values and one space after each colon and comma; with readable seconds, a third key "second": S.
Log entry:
{"hour": 8, "minute": 0}
